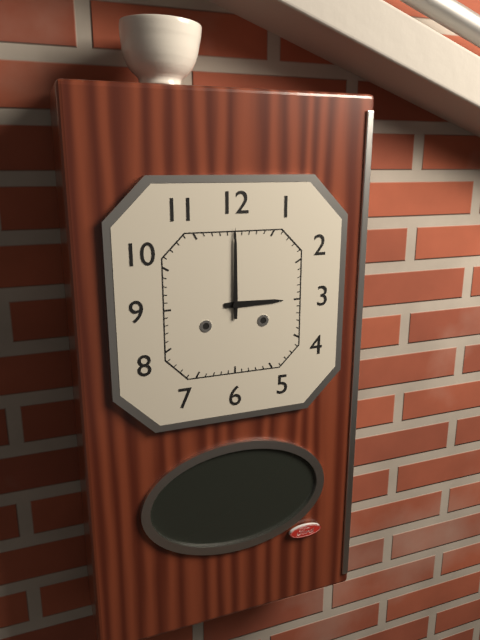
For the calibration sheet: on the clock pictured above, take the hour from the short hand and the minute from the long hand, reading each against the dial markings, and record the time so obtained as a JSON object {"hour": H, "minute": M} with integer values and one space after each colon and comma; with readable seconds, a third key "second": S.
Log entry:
{"hour": 3, "minute": 0}
